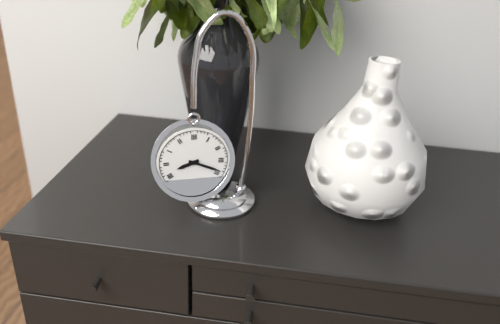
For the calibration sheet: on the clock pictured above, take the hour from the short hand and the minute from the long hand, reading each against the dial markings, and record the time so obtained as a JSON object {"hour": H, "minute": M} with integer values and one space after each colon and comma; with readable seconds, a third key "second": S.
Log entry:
{"hour": 8, "minute": 19}
